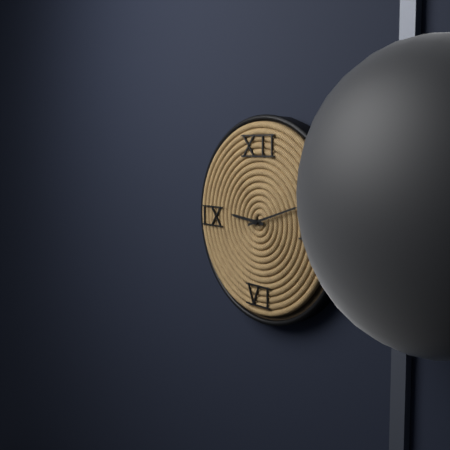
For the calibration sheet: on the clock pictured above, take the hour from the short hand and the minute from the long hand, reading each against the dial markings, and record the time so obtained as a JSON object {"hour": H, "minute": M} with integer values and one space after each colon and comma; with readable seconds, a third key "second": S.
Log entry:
{"hour": 9, "minute": 12}
